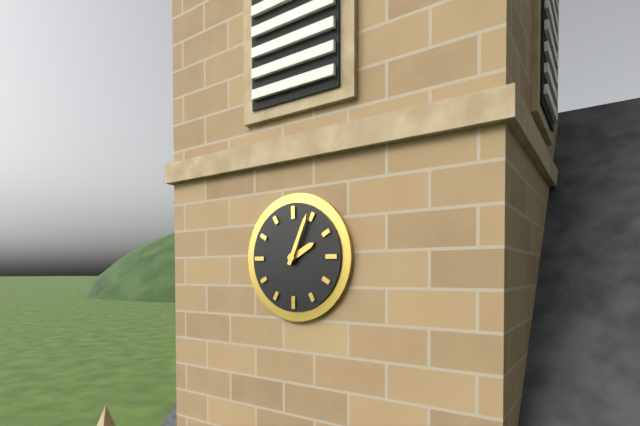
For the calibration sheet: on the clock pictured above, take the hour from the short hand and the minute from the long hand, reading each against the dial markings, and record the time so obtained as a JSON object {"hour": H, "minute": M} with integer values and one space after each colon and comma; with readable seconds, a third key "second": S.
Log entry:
{"hour": 2, "minute": 4}
